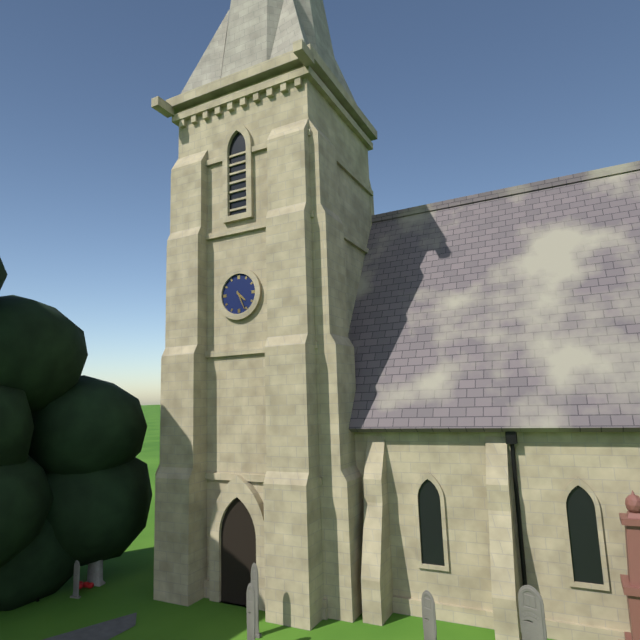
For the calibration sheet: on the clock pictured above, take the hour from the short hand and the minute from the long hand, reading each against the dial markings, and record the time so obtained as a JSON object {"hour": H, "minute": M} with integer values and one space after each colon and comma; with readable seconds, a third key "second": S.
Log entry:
{"hour": 4, "minute": 26}
